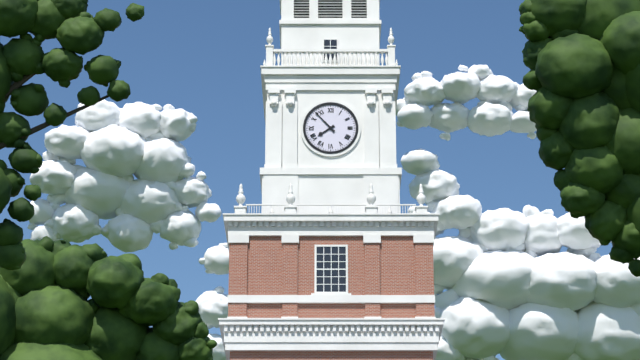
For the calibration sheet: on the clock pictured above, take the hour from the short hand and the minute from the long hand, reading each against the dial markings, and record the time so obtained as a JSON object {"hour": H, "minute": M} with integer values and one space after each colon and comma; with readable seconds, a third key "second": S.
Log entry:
{"hour": 7, "minute": 53}
